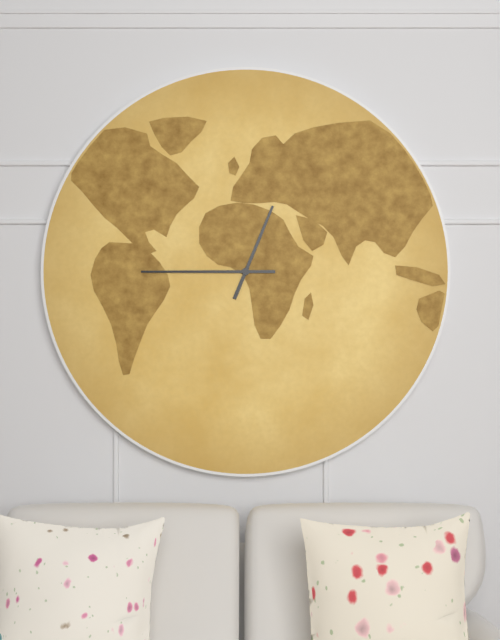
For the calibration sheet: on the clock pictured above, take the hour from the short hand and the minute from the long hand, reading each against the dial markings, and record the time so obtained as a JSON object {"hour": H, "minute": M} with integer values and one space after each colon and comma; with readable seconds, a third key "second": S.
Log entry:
{"hour": 12, "minute": 45}
